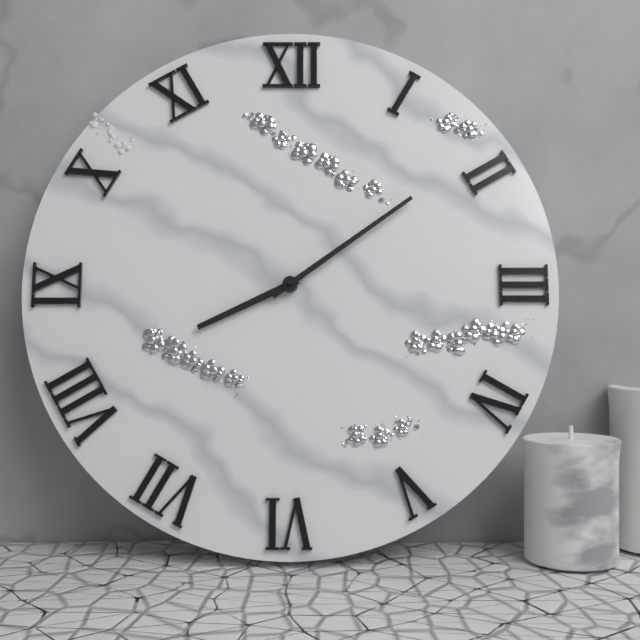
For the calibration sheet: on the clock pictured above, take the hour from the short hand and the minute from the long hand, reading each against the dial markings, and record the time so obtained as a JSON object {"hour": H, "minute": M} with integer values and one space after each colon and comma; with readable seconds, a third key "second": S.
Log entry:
{"hour": 8, "minute": 9}
